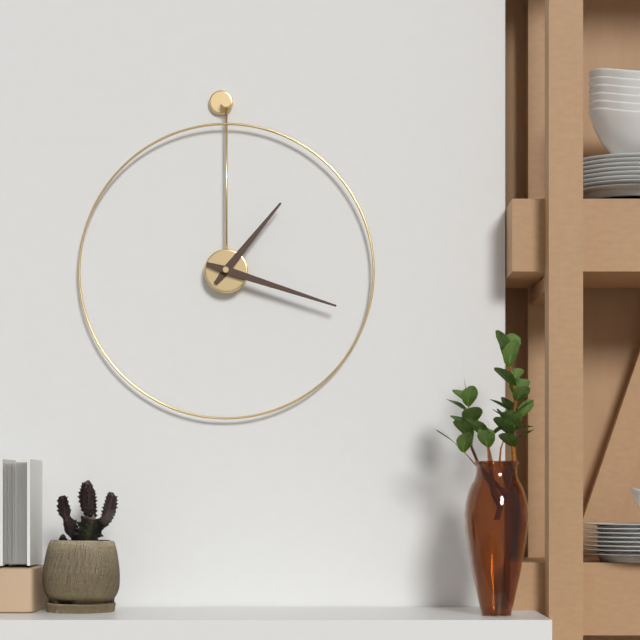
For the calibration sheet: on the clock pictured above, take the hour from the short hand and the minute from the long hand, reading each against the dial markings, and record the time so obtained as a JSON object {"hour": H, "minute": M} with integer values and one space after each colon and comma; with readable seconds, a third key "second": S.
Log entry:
{"hour": 1, "minute": 18}
